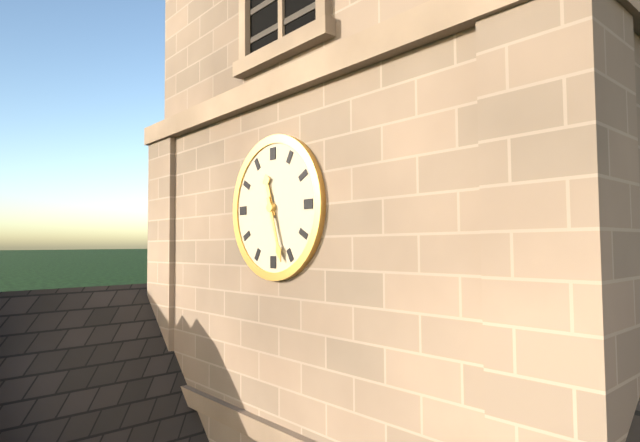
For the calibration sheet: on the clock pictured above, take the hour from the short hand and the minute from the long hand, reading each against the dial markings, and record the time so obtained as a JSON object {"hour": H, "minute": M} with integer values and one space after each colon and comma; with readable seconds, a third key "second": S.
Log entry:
{"hour": 11, "minute": 27}
